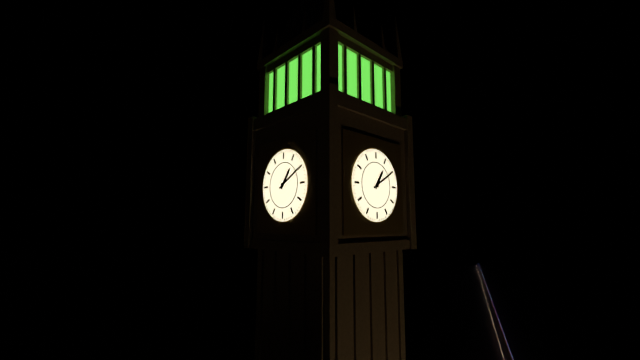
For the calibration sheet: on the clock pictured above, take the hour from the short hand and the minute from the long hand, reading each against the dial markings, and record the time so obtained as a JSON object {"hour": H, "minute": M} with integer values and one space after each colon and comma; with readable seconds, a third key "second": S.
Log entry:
{"hour": 1, "minute": 10}
